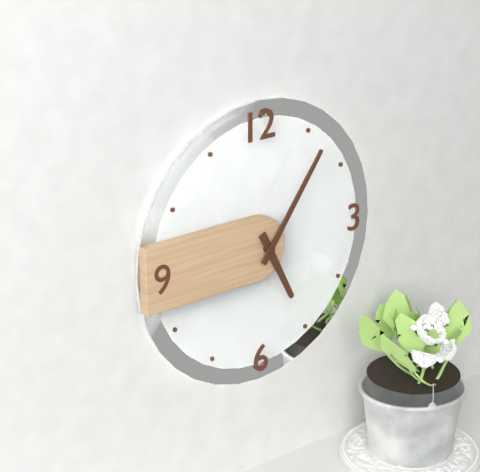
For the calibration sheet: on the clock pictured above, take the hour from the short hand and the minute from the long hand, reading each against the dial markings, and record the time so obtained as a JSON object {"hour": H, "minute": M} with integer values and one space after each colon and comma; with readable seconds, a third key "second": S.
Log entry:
{"hour": 5, "minute": 6}
